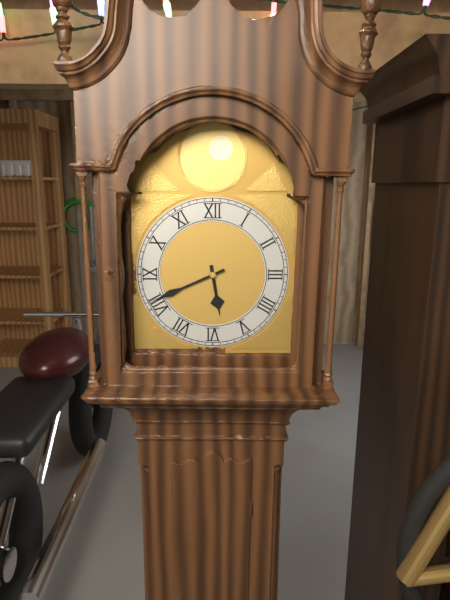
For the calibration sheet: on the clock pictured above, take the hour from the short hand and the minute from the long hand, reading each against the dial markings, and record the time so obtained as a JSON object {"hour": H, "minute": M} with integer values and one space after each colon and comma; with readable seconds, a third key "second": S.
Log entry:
{"hour": 5, "minute": 41}
